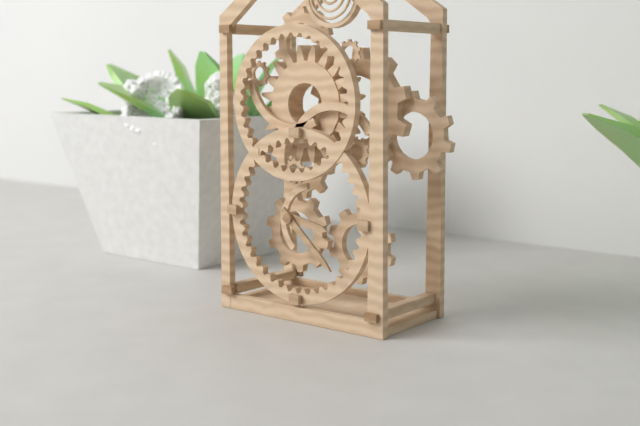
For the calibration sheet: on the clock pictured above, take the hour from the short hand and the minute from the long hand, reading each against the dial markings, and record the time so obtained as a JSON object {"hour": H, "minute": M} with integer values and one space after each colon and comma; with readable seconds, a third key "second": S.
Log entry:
{"hour": 3, "minute": 22}
